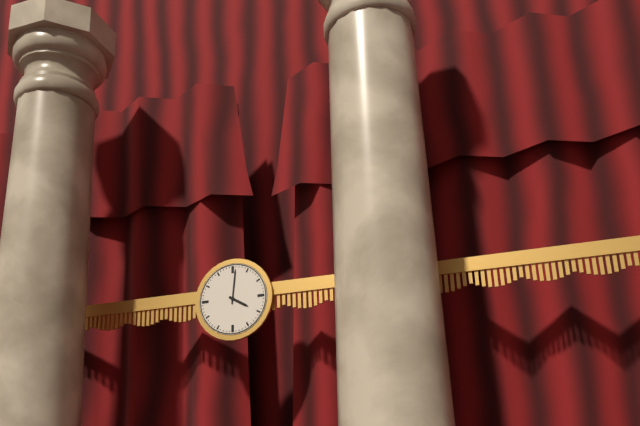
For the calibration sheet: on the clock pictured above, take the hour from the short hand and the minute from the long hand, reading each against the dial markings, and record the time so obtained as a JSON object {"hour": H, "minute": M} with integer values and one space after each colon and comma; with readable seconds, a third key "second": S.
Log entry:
{"hour": 4, "minute": 1}
